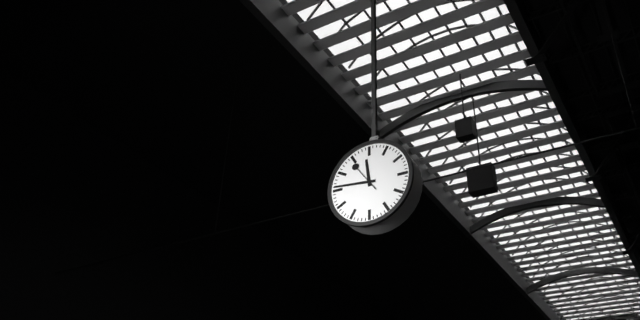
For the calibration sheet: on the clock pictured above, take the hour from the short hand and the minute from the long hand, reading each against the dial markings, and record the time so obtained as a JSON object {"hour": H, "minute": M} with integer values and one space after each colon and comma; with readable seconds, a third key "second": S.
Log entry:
{"hour": 11, "minute": 46}
